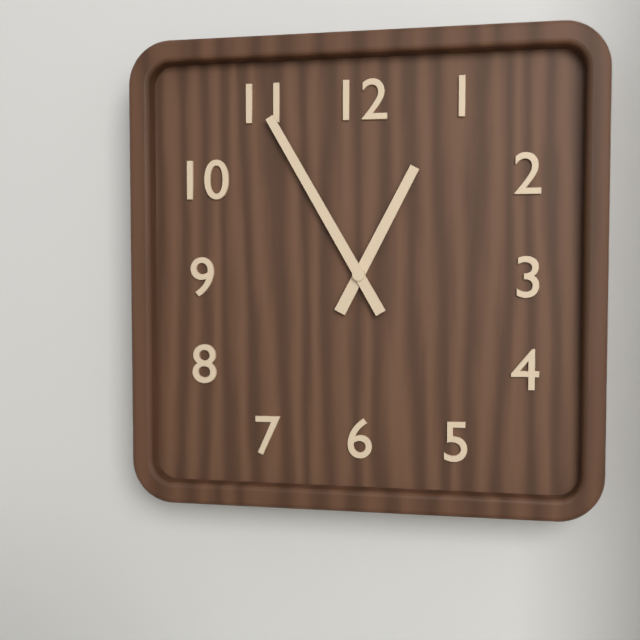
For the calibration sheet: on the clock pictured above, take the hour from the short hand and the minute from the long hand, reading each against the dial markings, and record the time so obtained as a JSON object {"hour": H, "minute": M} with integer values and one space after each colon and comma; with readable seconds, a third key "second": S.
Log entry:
{"hour": 12, "minute": 55}
